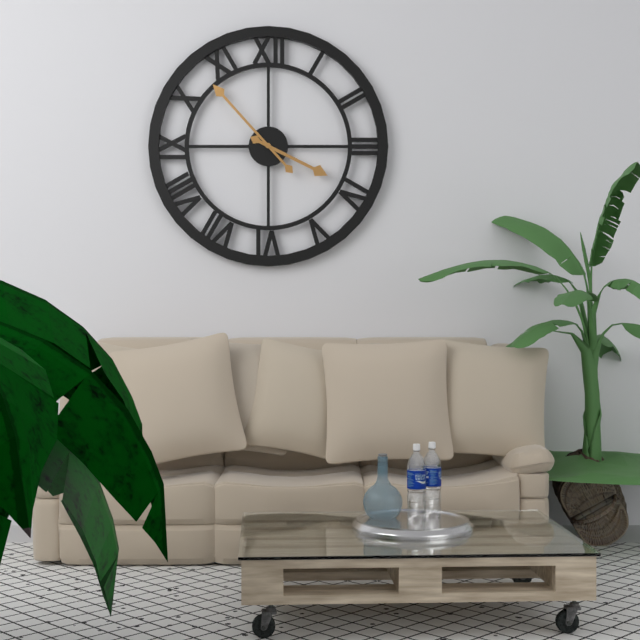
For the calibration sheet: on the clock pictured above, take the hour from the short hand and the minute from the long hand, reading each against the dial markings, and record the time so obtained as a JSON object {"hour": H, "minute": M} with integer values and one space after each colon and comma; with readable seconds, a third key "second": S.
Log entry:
{"hour": 3, "minute": 53}
